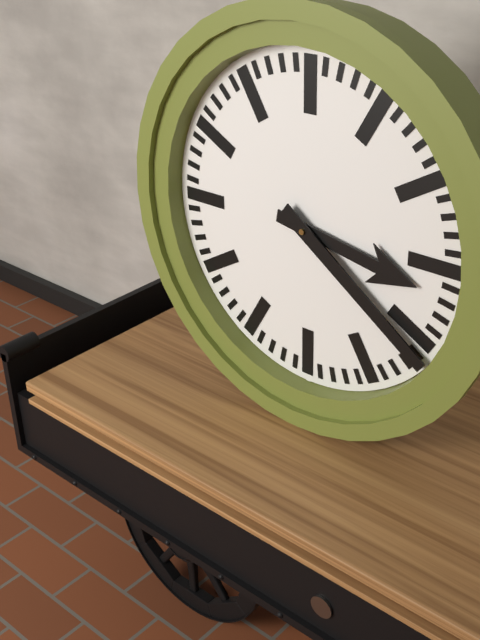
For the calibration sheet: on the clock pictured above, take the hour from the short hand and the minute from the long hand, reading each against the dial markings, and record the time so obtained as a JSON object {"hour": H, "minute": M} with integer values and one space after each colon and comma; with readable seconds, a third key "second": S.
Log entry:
{"hour": 3, "minute": 21}
